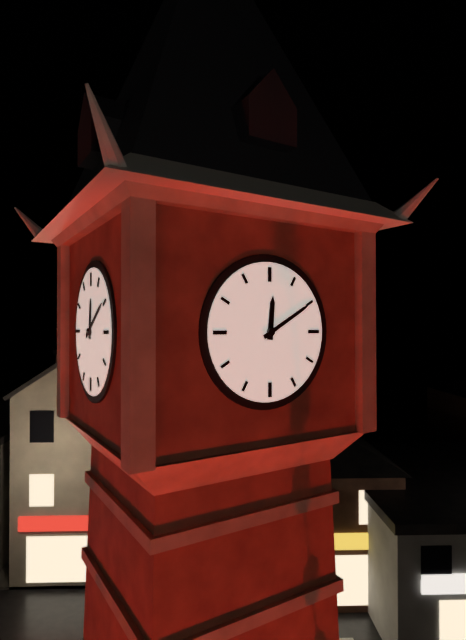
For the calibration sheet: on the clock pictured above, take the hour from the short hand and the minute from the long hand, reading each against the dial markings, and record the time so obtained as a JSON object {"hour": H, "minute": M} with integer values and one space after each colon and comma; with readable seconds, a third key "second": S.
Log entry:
{"hour": 12, "minute": 10}
